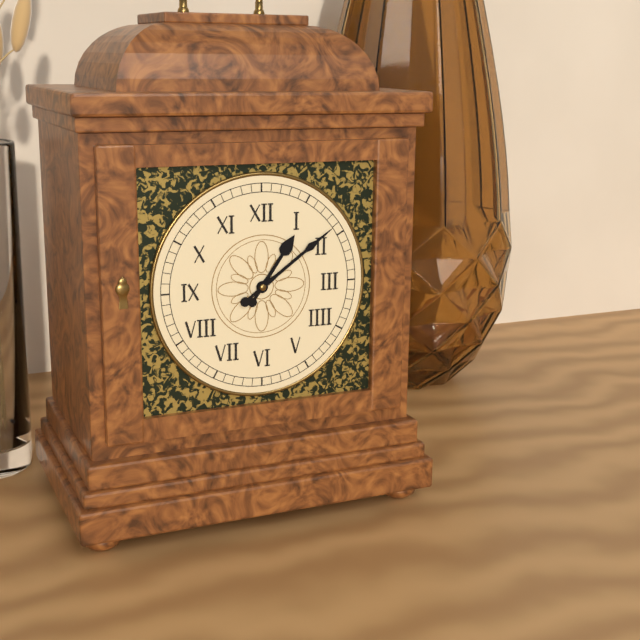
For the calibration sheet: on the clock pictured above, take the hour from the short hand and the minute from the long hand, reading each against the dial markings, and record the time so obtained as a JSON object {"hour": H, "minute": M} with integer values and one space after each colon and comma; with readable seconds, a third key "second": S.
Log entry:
{"hour": 1, "minute": 9}
